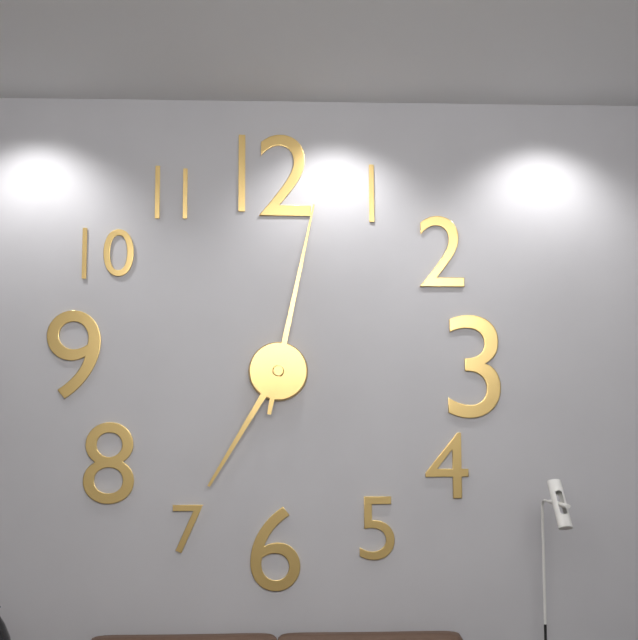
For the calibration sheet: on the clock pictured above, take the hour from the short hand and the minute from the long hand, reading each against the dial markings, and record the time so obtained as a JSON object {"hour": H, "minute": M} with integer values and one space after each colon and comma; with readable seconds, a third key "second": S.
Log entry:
{"hour": 7, "minute": 2}
